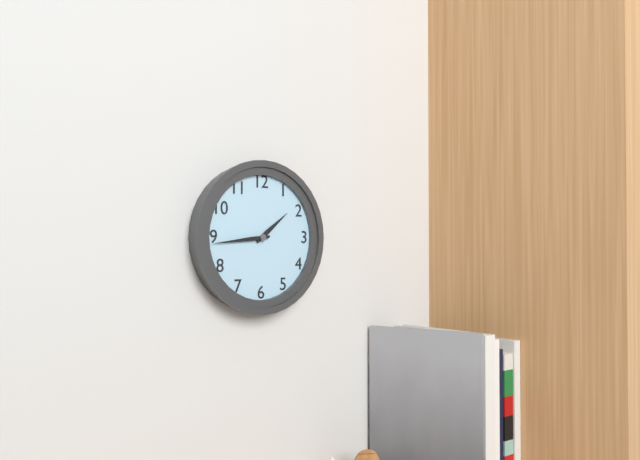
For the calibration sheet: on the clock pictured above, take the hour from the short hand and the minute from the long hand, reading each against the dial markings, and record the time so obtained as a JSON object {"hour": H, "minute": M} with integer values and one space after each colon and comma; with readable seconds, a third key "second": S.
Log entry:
{"hour": 1, "minute": 44}
